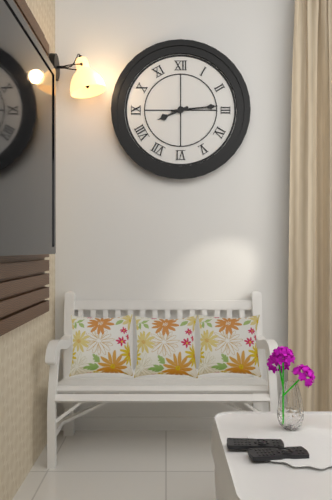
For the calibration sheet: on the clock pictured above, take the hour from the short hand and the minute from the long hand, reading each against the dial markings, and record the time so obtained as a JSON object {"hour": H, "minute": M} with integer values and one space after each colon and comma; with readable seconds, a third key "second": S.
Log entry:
{"hour": 8, "minute": 14}
